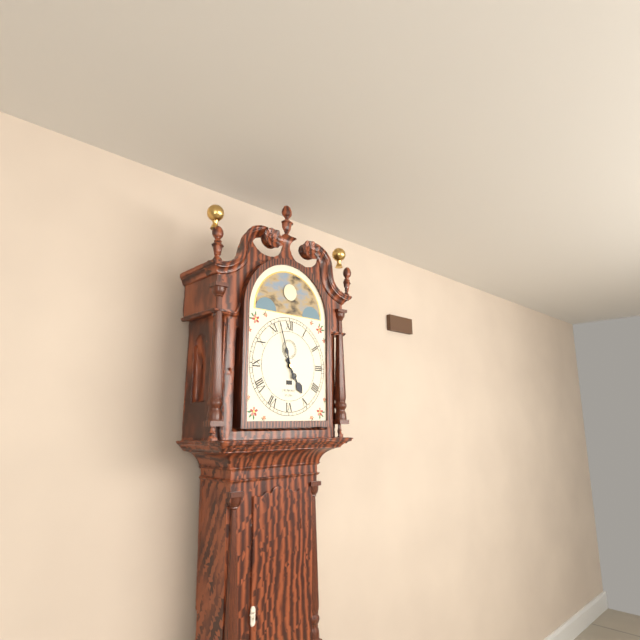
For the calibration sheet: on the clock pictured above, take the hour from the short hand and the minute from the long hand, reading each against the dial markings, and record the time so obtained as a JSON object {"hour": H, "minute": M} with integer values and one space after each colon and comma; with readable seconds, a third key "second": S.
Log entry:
{"hour": 4, "minute": 57}
